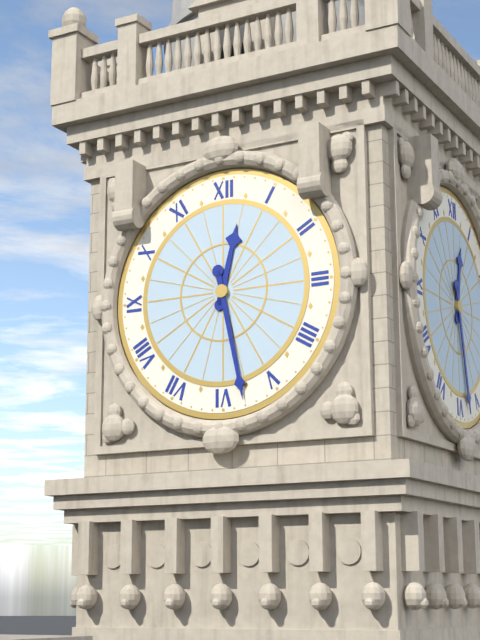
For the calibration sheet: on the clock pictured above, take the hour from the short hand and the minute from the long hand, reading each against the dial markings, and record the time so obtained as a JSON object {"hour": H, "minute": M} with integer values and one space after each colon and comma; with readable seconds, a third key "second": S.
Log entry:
{"hour": 12, "minute": 28}
